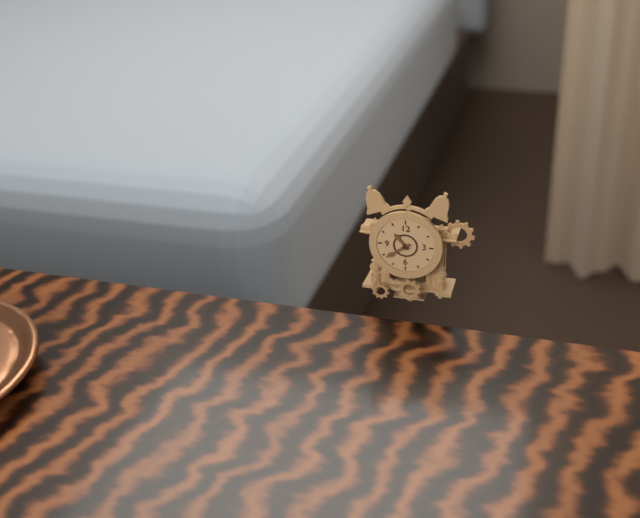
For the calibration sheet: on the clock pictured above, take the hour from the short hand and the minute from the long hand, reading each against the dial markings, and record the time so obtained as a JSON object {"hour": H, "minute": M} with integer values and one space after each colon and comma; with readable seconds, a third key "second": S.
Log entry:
{"hour": 10, "minute": 39}
